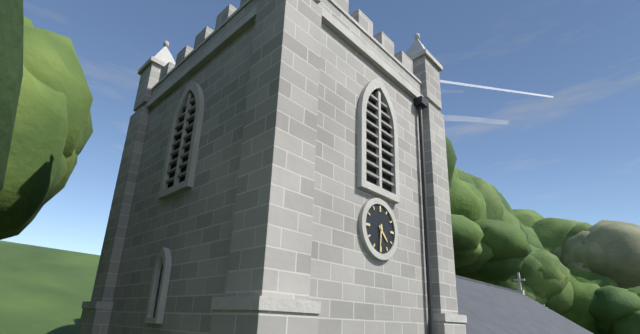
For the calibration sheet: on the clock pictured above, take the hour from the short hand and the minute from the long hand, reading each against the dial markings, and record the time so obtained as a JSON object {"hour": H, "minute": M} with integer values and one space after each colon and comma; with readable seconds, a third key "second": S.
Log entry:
{"hour": 4, "minute": 31}
